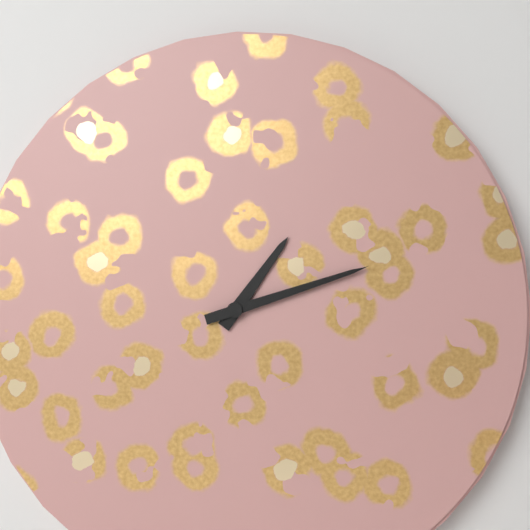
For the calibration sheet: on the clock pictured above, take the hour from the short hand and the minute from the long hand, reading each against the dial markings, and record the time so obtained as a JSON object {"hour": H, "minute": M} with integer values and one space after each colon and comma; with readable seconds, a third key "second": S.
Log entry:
{"hour": 1, "minute": 12}
